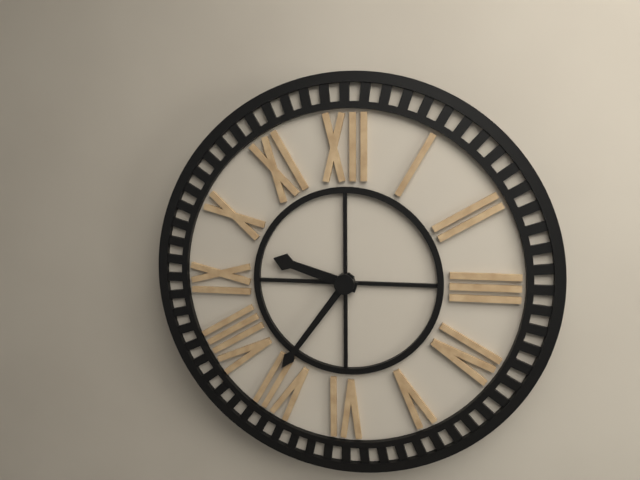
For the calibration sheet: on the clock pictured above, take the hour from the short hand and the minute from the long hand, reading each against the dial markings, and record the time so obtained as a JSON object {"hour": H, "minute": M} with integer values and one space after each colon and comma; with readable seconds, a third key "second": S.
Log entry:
{"hour": 9, "minute": 36}
